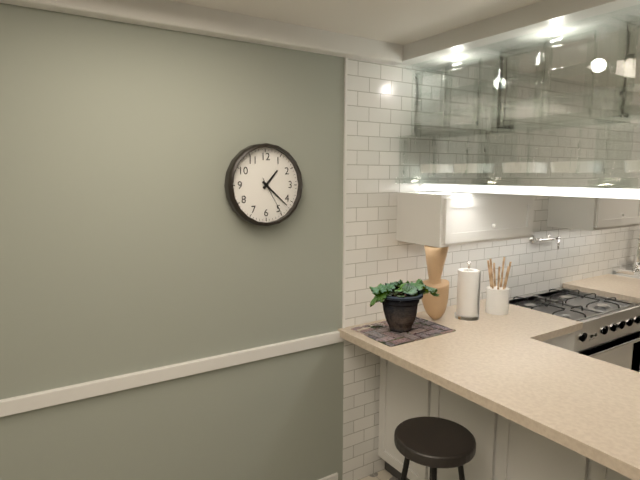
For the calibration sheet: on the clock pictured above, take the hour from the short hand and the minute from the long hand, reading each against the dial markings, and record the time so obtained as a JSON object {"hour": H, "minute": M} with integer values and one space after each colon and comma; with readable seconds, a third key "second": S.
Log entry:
{"hour": 1, "minute": 22}
